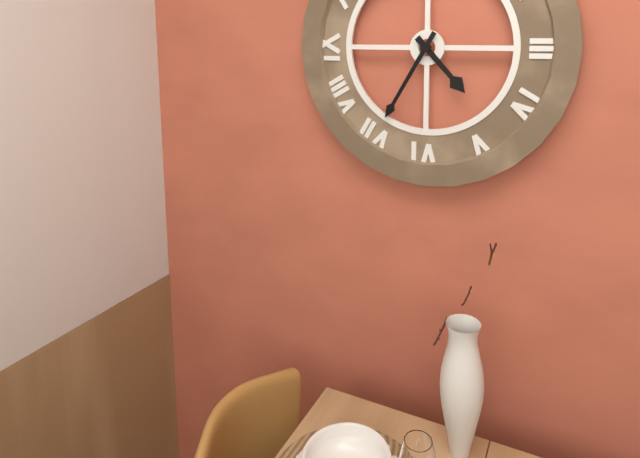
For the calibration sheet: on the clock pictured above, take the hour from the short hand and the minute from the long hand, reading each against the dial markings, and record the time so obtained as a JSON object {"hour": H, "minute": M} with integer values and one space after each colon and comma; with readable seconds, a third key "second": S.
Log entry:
{"hour": 4, "minute": 35}
